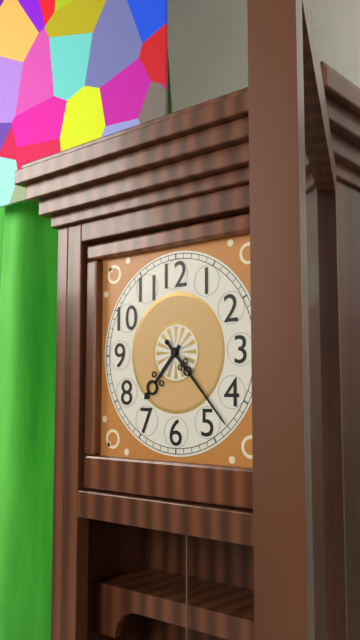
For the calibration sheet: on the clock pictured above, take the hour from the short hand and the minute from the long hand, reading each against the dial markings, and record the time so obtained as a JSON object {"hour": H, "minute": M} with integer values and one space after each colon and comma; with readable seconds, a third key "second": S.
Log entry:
{"hour": 7, "minute": 23}
